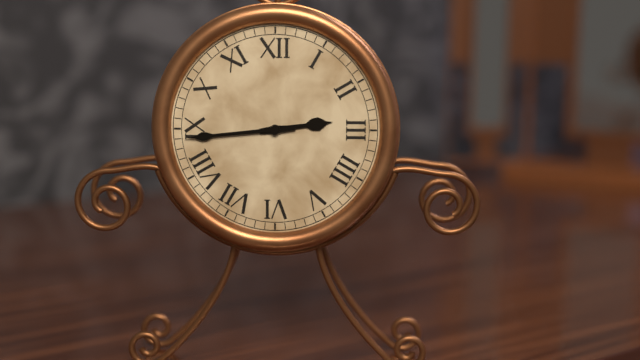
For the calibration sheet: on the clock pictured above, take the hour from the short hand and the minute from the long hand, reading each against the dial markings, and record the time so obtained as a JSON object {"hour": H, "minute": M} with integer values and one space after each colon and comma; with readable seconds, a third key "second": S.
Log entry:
{"hour": 2, "minute": 44}
